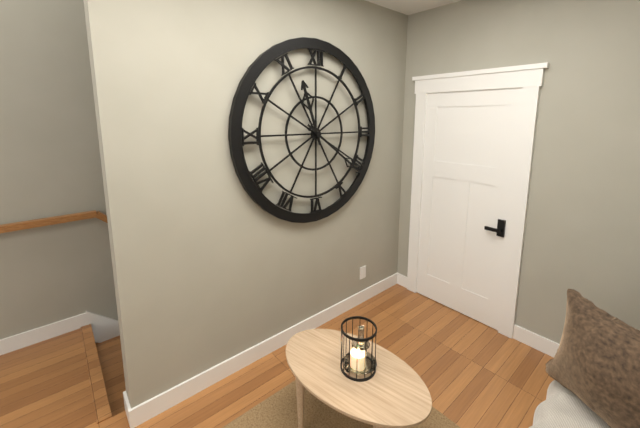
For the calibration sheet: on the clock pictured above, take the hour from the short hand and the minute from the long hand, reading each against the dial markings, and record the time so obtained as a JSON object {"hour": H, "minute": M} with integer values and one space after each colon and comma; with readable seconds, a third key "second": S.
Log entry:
{"hour": 11, "minute": 21}
